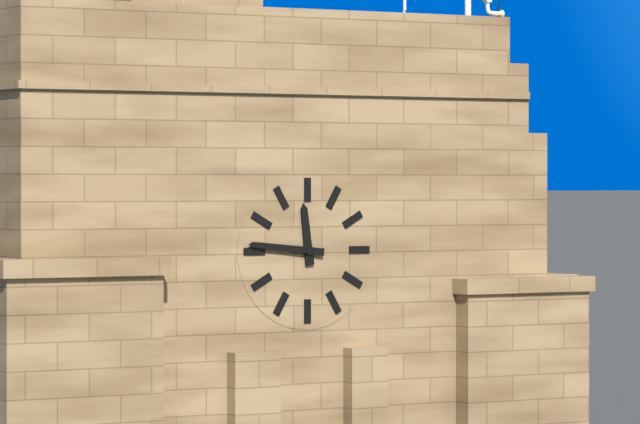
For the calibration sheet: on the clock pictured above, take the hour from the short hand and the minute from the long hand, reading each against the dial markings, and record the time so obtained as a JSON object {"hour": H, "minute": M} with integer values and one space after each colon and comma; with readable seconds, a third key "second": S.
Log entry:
{"hour": 11, "minute": 46}
